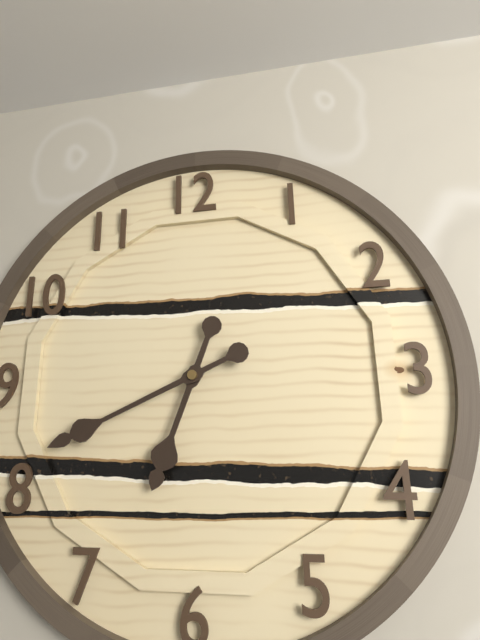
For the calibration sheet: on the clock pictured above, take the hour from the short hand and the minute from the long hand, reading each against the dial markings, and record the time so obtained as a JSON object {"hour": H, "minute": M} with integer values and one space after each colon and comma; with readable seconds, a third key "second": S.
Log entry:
{"hour": 6, "minute": 41}
